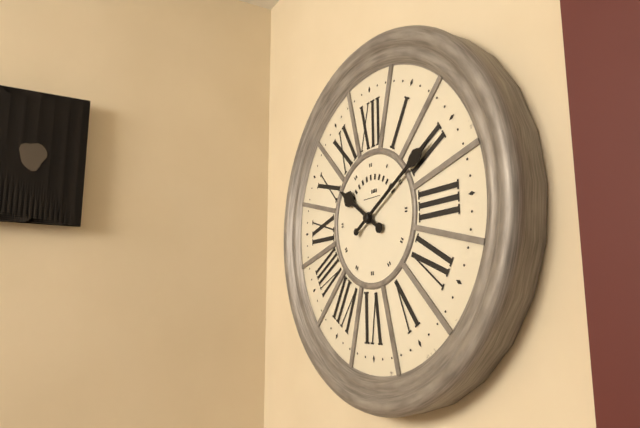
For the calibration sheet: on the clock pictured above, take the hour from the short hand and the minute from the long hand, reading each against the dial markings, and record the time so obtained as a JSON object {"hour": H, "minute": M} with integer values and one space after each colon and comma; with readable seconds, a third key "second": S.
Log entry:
{"hour": 10, "minute": 10}
